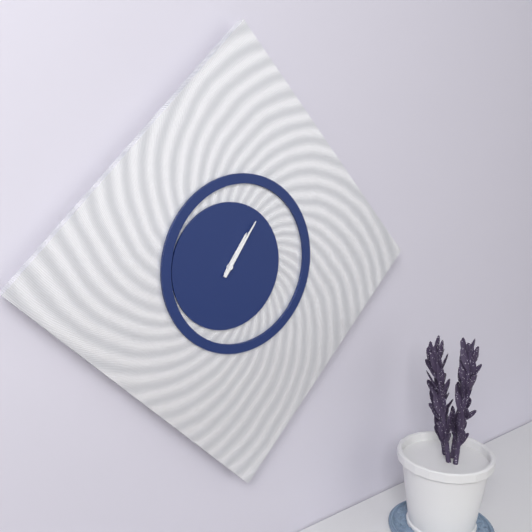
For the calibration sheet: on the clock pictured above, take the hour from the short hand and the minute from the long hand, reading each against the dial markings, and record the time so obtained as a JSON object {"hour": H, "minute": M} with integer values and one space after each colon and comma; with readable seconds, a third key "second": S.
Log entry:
{"hour": 1, "minute": 6}
